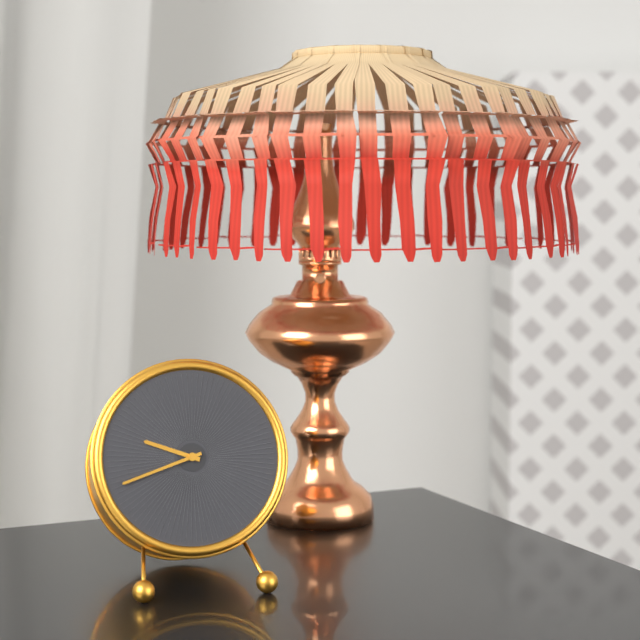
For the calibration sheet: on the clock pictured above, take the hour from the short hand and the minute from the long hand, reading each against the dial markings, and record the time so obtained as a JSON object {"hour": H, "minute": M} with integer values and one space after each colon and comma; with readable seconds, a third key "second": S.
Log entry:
{"hour": 9, "minute": 42}
